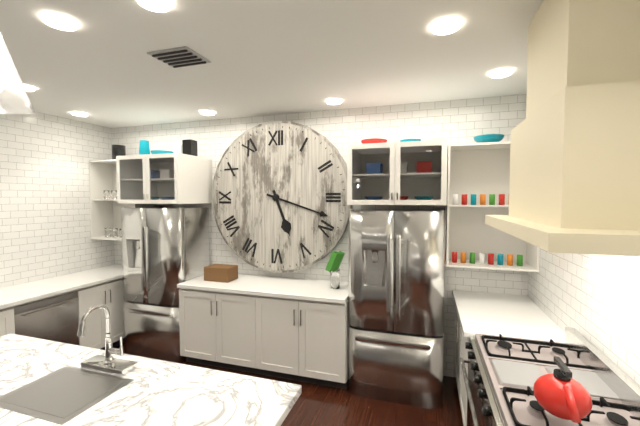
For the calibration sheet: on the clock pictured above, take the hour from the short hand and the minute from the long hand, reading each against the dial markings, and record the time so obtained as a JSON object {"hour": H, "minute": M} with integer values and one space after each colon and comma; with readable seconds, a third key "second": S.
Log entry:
{"hour": 5, "minute": 18}
